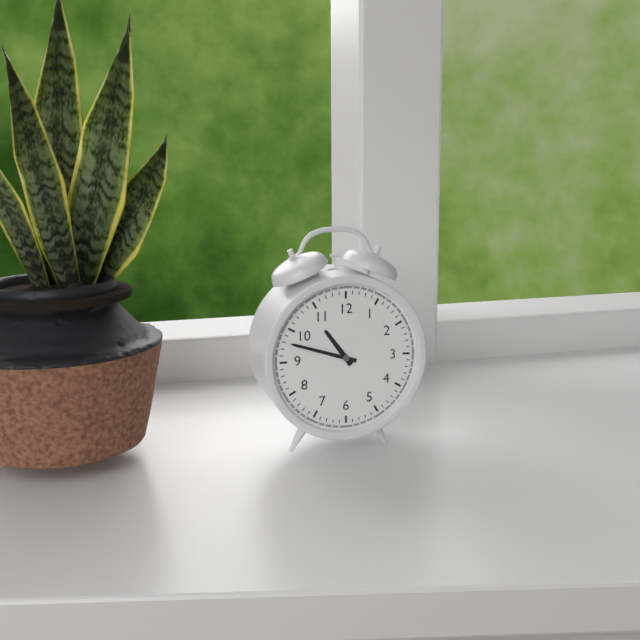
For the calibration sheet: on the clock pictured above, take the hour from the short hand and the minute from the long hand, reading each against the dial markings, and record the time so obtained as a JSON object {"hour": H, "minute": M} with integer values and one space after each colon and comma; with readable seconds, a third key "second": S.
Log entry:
{"hour": 10, "minute": 48}
